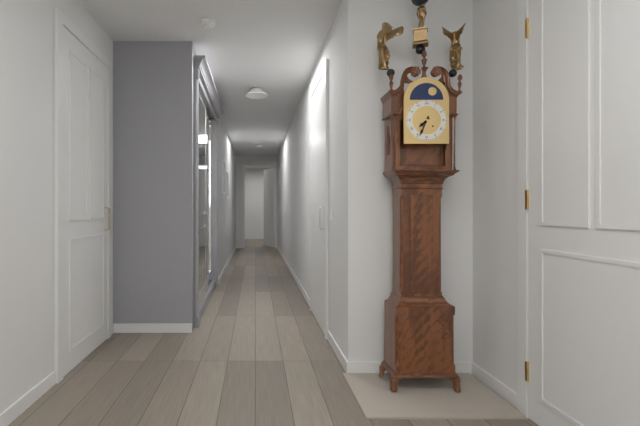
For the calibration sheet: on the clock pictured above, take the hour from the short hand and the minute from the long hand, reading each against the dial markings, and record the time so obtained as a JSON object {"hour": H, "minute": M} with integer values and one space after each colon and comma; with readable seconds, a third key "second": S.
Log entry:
{"hour": 7, "minute": 34}
